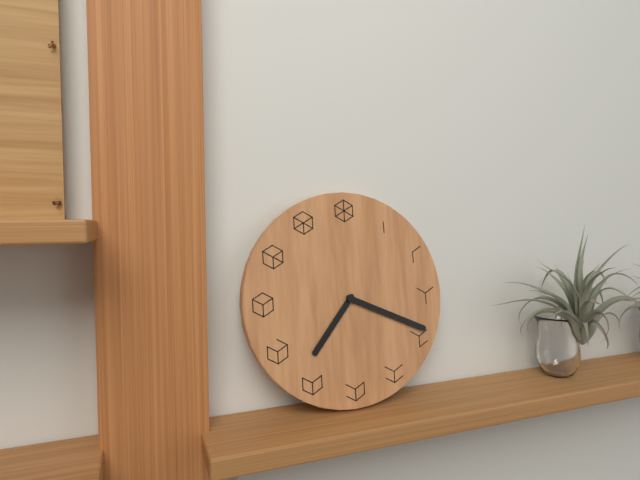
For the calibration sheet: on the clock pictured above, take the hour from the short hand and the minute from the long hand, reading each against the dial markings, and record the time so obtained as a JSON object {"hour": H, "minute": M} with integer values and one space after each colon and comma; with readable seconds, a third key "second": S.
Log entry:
{"hour": 7, "minute": 19}
